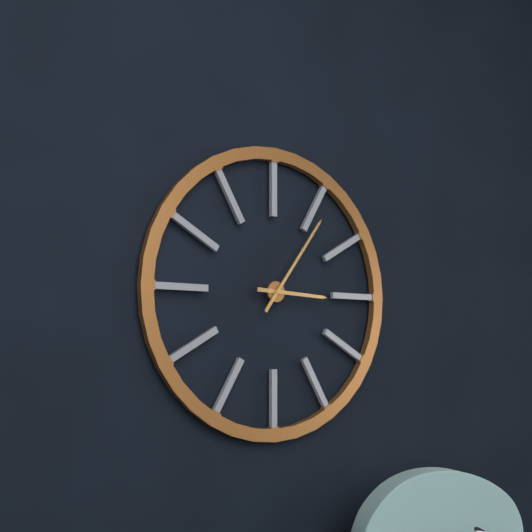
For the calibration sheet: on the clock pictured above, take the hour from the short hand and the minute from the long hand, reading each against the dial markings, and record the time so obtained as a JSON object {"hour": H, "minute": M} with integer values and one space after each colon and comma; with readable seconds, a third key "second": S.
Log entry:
{"hour": 3, "minute": 6}
